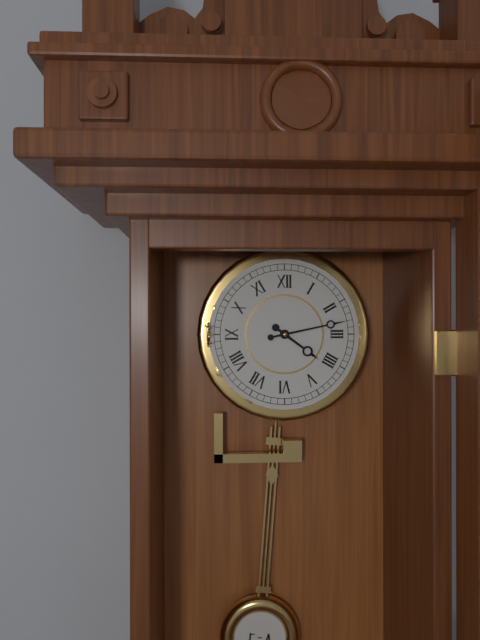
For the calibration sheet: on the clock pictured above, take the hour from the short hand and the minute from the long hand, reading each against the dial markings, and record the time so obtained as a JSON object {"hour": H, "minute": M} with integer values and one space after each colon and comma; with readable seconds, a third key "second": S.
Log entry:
{"hour": 4, "minute": 13}
